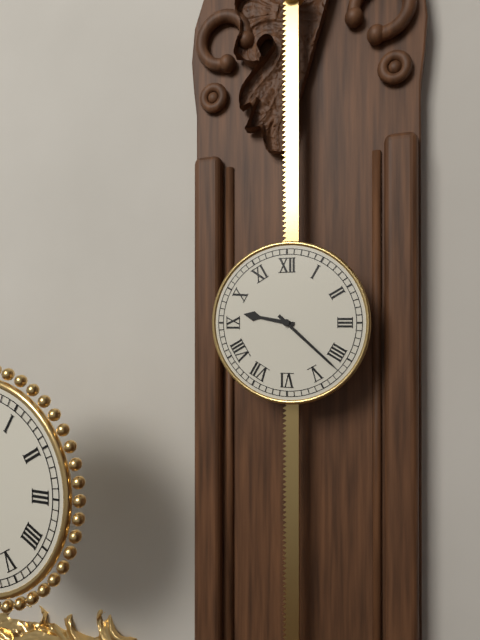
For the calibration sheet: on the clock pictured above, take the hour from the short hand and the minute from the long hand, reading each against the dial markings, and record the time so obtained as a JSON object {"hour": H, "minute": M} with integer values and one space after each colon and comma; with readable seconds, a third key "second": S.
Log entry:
{"hour": 9, "minute": 22}
